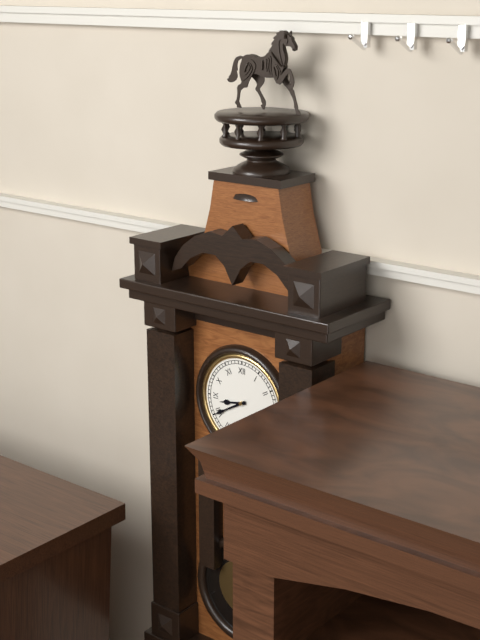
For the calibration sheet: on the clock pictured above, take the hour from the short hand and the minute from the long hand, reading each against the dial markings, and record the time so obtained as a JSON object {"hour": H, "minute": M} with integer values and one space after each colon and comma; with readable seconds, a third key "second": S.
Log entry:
{"hour": 8, "minute": 40}
